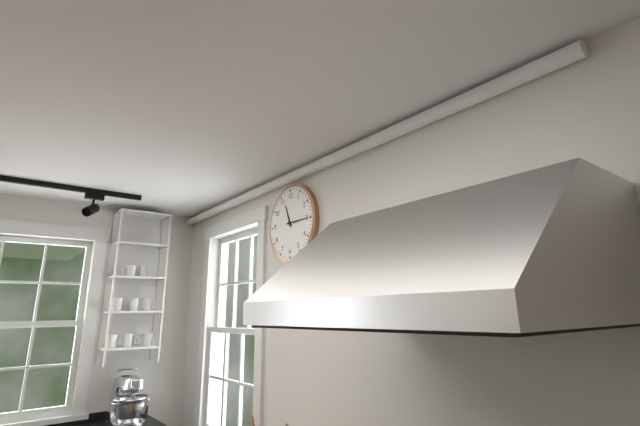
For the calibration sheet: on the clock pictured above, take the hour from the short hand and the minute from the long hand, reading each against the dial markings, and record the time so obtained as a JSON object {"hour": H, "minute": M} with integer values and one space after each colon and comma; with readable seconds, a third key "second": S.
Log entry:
{"hour": 11, "minute": 15}
